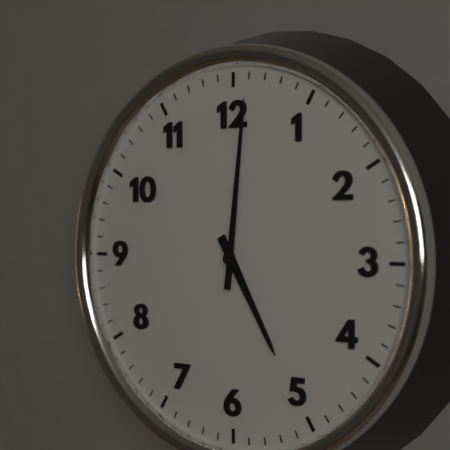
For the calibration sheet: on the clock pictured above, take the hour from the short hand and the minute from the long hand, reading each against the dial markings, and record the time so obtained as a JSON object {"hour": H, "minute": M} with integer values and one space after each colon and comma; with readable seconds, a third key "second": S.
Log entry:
{"hour": 5, "minute": 1}
